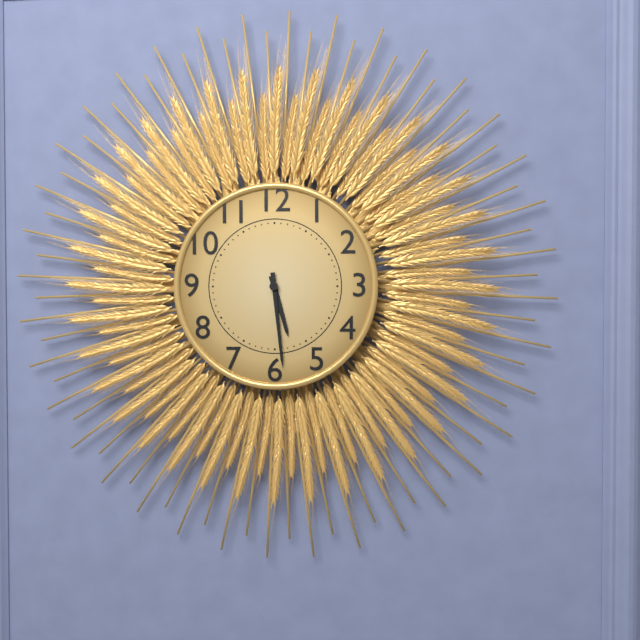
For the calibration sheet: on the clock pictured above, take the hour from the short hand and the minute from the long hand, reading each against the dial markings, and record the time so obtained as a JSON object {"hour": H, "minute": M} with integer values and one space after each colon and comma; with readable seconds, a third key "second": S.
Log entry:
{"hour": 5, "minute": 29}
